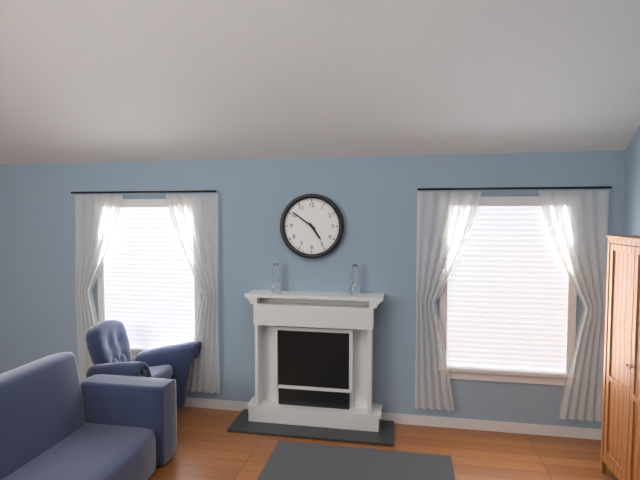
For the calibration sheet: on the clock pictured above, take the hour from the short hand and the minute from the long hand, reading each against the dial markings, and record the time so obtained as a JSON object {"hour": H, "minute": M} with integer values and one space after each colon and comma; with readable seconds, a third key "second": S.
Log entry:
{"hour": 4, "minute": 51}
